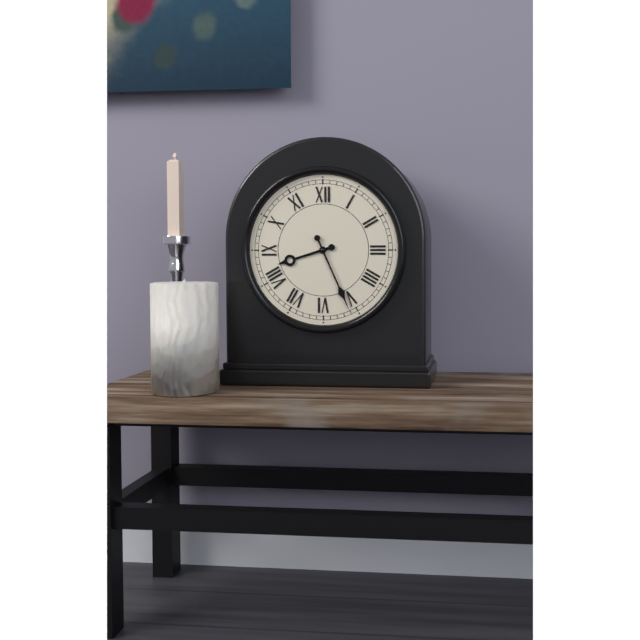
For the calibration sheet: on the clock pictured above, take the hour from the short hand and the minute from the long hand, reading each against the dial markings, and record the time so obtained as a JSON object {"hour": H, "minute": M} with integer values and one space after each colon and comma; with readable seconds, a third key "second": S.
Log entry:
{"hour": 8, "minute": 26}
